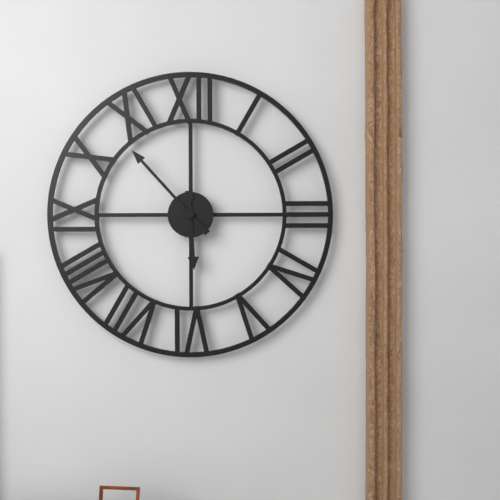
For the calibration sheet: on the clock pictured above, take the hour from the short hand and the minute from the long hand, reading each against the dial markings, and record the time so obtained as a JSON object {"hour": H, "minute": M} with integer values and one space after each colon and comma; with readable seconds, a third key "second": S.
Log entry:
{"hour": 5, "minute": 53}
